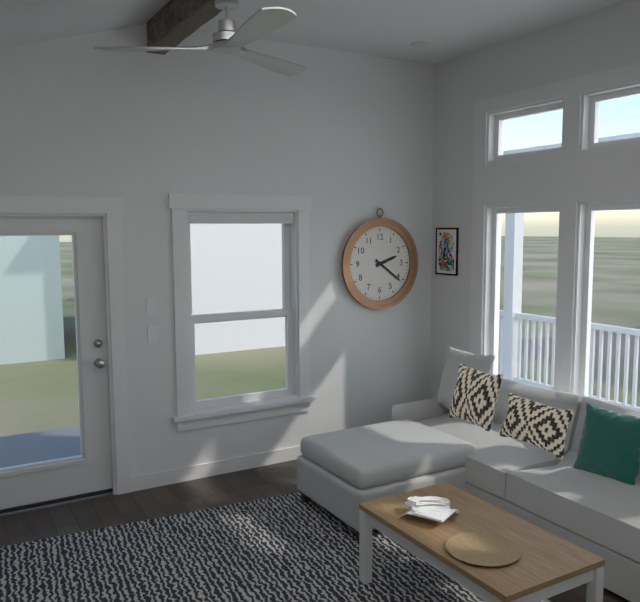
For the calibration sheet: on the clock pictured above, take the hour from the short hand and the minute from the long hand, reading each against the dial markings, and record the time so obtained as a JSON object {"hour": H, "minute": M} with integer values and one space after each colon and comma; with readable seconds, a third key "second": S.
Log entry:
{"hour": 2, "minute": 21}
